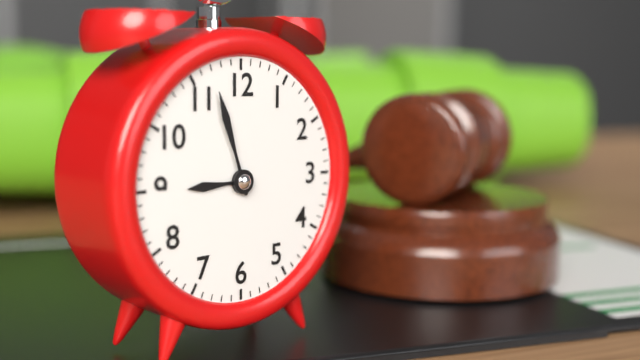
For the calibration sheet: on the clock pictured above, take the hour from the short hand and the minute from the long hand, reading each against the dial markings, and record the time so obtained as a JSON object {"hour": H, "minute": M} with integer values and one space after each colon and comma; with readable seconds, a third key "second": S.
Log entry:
{"hour": 8, "minute": 57}
